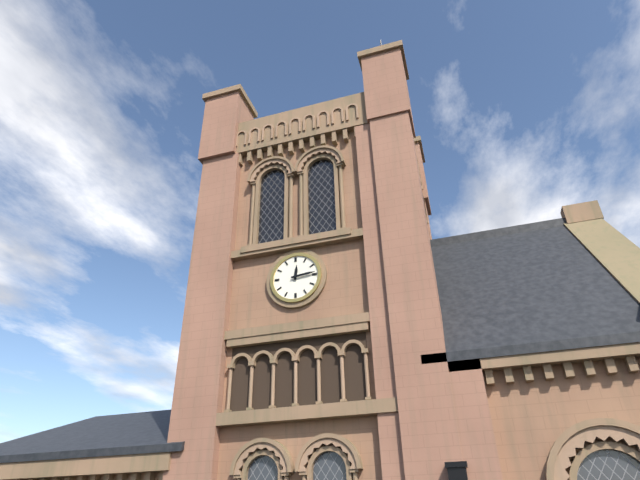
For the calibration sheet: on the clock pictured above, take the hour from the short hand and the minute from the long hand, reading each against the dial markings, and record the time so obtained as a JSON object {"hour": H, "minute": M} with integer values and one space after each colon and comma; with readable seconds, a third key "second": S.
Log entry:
{"hour": 12, "minute": 14}
